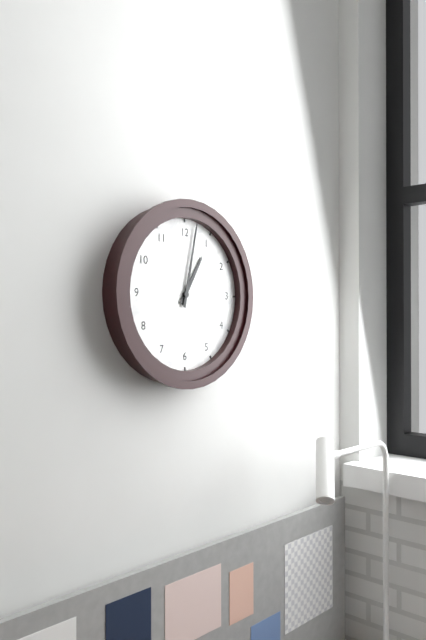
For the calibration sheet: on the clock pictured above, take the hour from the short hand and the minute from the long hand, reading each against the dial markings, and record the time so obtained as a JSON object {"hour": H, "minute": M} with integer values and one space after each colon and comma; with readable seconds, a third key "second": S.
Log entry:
{"hour": 1, "minute": 2}
